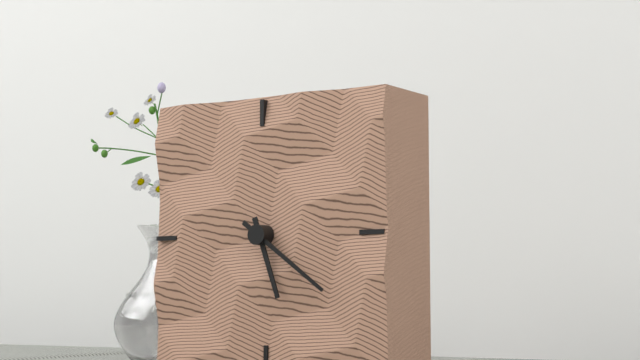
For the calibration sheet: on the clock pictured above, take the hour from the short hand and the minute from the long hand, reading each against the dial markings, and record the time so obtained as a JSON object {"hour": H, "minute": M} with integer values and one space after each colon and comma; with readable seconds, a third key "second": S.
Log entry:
{"hour": 5, "minute": 21}
